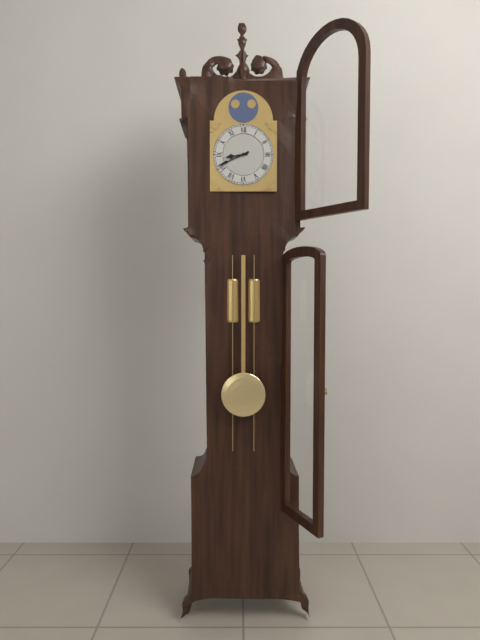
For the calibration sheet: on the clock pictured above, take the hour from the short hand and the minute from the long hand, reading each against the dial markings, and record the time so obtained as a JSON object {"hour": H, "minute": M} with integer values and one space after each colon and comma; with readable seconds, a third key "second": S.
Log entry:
{"hour": 8, "minute": 41}
